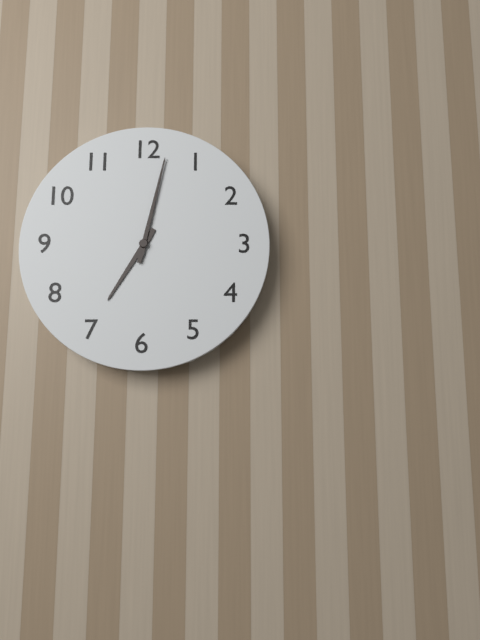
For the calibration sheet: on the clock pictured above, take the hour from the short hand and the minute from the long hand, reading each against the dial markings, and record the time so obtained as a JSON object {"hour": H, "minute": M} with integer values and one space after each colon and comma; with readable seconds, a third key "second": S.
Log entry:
{"hour": 7, "minute": 2}
